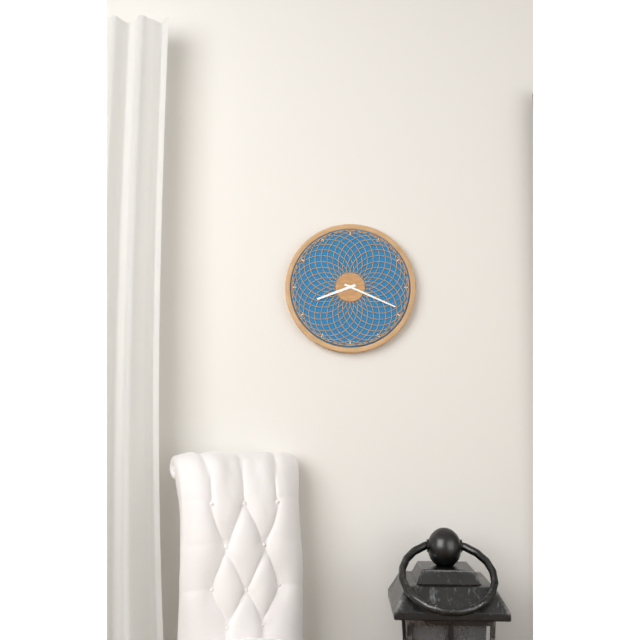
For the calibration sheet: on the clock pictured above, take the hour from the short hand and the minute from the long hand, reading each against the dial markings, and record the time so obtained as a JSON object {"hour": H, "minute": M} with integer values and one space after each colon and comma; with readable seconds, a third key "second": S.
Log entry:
{"hour": 8, "minute": 19}
